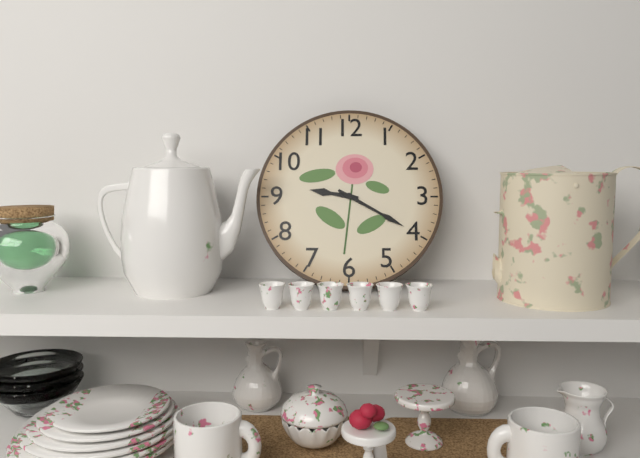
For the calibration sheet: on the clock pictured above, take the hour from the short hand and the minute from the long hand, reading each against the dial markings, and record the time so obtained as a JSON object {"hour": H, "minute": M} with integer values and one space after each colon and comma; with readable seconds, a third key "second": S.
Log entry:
{"hour": 9, "minute": 20}
